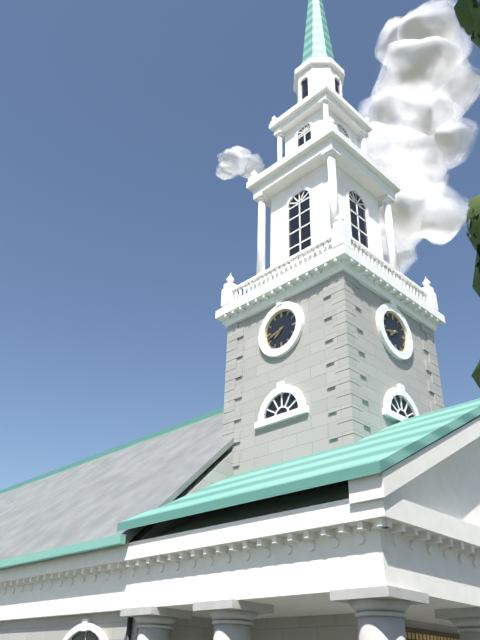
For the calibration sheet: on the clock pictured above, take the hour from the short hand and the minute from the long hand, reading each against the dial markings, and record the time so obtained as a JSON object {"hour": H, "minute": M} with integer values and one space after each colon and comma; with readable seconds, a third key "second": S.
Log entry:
{"hour": 7, "minute": 42}
